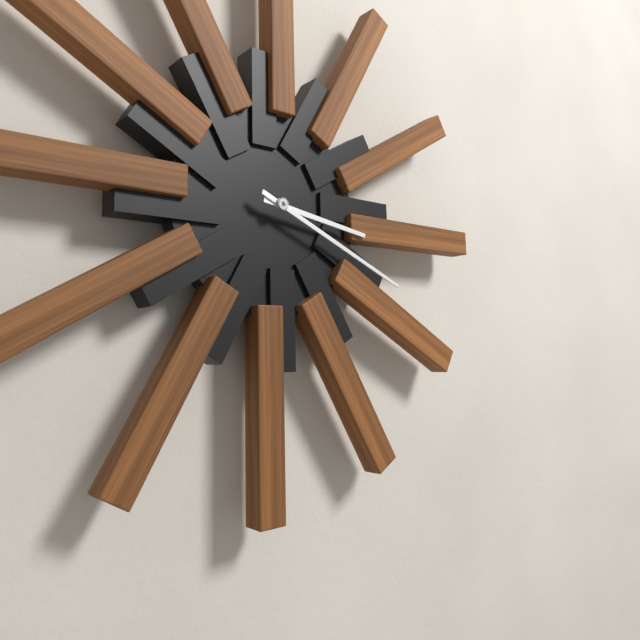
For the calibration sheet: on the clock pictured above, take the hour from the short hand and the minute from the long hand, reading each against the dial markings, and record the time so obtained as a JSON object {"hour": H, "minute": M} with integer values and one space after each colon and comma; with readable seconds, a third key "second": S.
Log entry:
{"hour": 3, "minute": 19}
